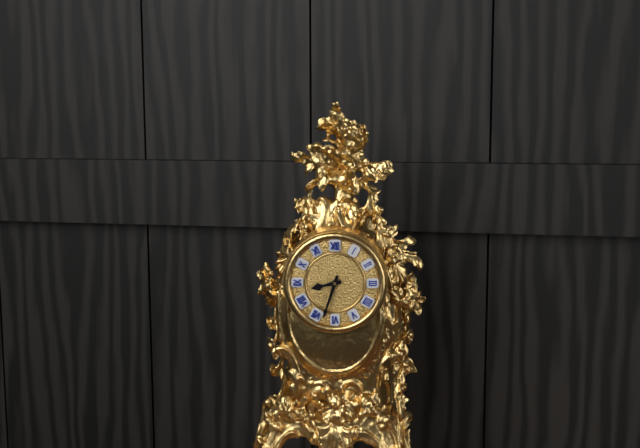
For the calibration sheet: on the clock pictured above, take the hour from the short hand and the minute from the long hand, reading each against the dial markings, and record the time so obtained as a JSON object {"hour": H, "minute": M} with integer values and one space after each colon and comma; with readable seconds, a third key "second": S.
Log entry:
{"hour": 8, "minute": 33}
